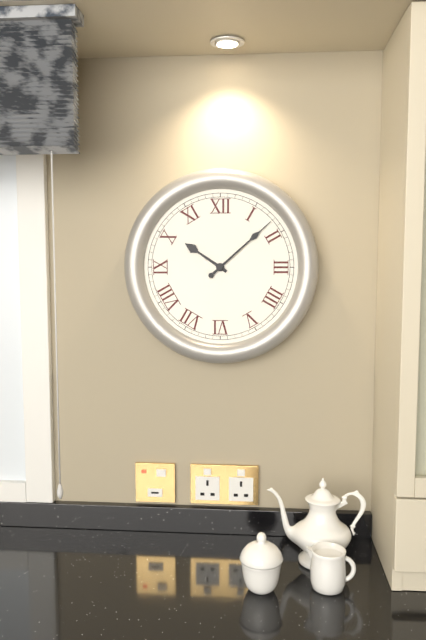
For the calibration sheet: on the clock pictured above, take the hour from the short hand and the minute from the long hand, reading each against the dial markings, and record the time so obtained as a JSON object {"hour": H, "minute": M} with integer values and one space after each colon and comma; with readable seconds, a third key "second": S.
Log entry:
{"hour": 10, "minute": 8}
